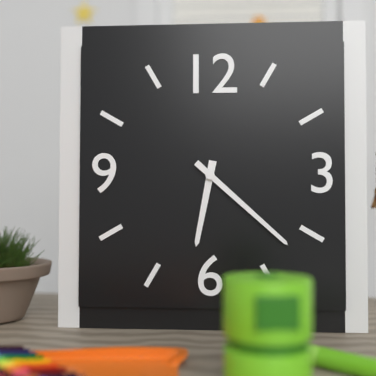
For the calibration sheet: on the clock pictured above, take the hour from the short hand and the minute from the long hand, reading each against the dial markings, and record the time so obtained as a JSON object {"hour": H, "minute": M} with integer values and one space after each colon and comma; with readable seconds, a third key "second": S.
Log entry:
{"hour": 6, "minute": 22}
